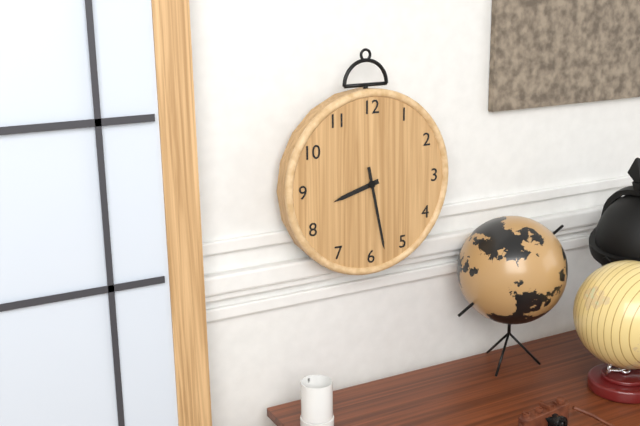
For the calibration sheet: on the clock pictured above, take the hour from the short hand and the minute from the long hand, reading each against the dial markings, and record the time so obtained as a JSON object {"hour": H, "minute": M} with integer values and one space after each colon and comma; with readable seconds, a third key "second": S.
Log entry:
{"hour": 8, "minute": 28}
